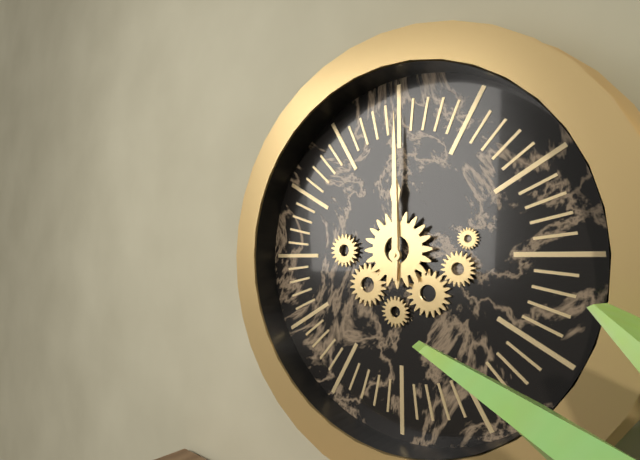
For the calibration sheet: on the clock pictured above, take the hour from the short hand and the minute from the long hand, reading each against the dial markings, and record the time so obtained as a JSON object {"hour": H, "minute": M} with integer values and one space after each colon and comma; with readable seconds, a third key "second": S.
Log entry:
{"hour": 12, "minute": 0}
